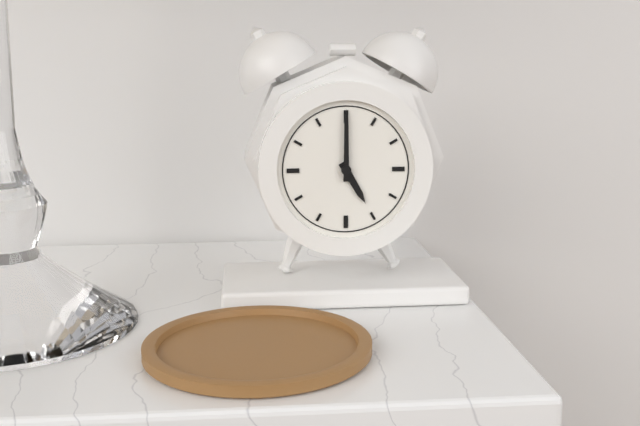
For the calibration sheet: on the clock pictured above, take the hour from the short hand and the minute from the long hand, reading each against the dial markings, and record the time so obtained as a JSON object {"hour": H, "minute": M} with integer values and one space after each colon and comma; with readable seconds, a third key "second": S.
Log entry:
{"hour": 5, "minute": 0}
